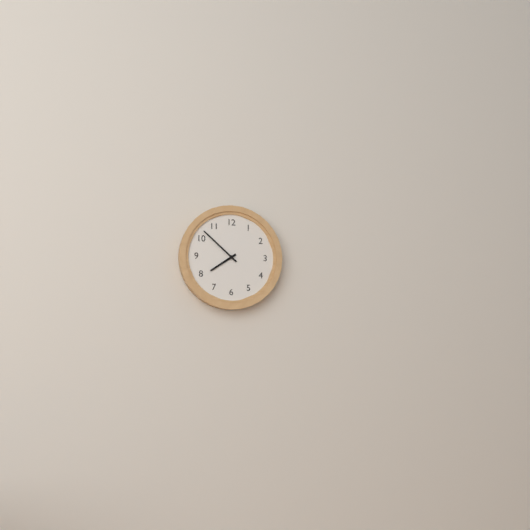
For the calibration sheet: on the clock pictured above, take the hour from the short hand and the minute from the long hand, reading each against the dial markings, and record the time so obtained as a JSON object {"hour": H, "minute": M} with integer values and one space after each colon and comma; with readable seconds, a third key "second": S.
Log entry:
{"hour": 7, "minute": 52}
